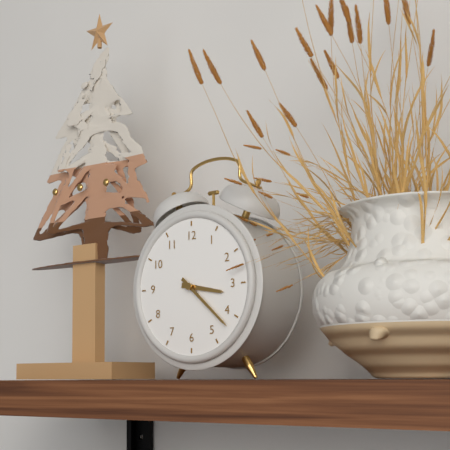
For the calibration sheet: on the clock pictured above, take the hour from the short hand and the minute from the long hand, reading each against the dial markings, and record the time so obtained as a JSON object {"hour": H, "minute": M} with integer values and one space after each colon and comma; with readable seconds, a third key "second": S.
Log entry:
{"hour": 3, "minute": 22}
